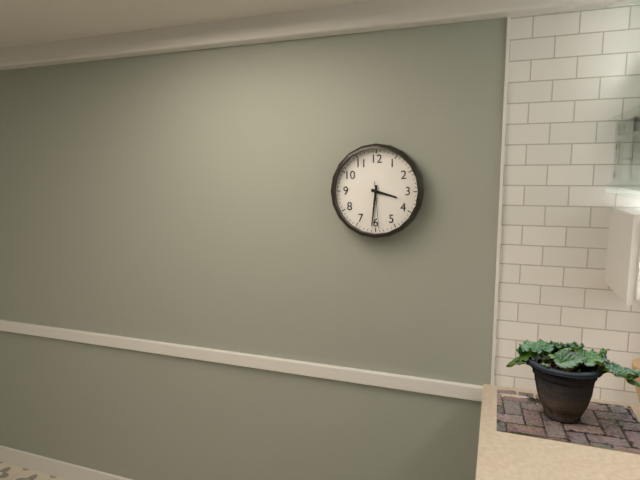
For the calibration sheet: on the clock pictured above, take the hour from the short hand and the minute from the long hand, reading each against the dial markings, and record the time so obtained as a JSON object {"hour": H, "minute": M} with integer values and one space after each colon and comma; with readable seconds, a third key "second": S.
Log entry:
{"hour": 3, "minute": 31}
